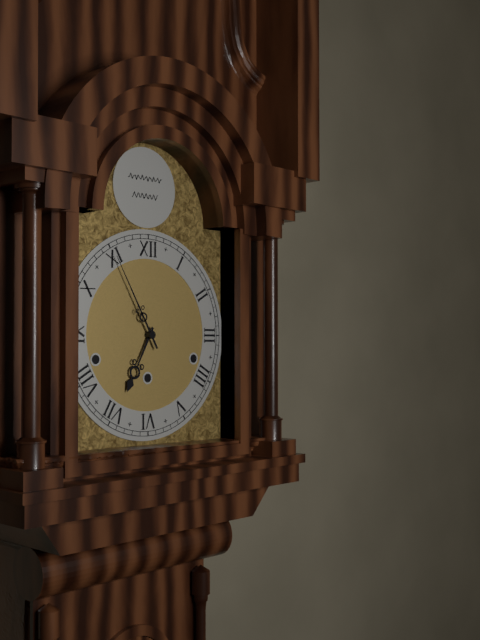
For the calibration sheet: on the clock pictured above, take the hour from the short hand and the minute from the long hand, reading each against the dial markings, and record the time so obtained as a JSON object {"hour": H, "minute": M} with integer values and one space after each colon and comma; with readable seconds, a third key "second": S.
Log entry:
{"hour": 6, "minute": 55}
